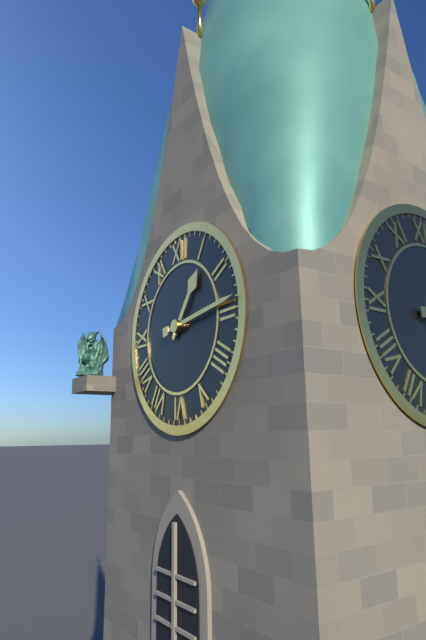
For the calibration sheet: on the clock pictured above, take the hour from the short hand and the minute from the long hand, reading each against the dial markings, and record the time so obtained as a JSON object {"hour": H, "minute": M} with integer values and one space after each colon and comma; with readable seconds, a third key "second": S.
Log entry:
{"hour": 1, "minute": 14}
